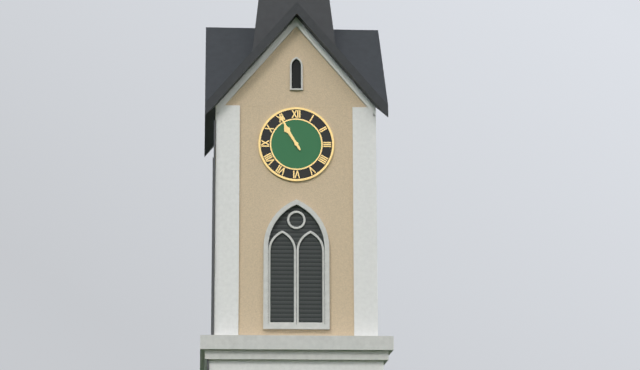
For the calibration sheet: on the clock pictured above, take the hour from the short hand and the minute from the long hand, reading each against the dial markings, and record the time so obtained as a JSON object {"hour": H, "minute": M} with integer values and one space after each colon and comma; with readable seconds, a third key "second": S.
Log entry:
{"hour": 10, "minute": 55}
